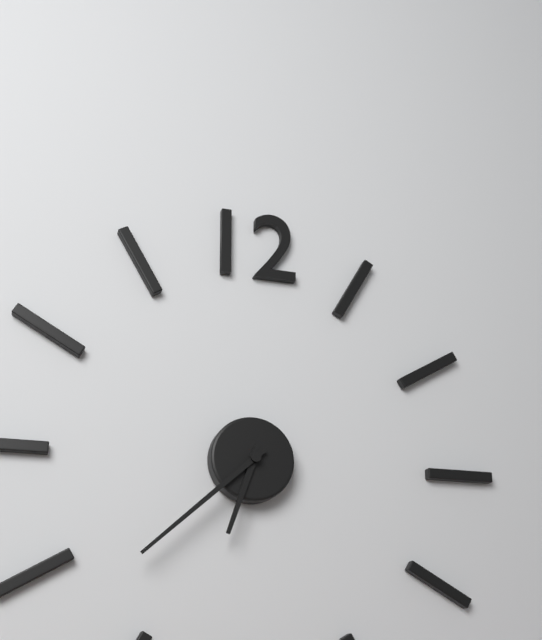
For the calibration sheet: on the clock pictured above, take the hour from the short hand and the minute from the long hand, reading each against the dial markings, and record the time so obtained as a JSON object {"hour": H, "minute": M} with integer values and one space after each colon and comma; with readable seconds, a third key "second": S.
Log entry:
{"hour": 6, "minute": 38}
